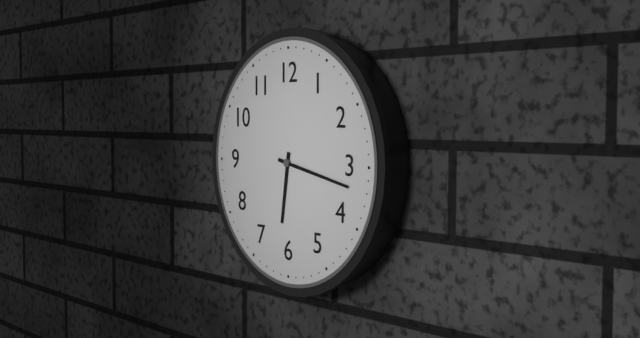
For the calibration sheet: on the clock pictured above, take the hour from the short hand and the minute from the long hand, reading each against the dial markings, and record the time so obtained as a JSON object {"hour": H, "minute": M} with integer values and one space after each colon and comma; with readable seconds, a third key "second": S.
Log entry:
{"hour": 6, "minute": 17}
